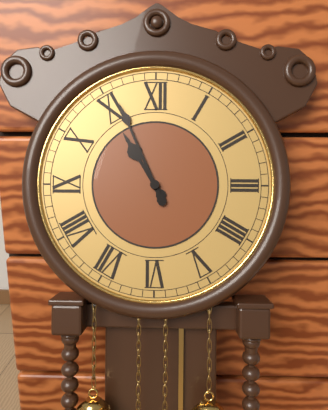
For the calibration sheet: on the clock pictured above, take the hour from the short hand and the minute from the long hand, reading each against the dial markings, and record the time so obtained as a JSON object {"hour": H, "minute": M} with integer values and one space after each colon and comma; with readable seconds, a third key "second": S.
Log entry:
{"hour": 10, "minute": 56}
